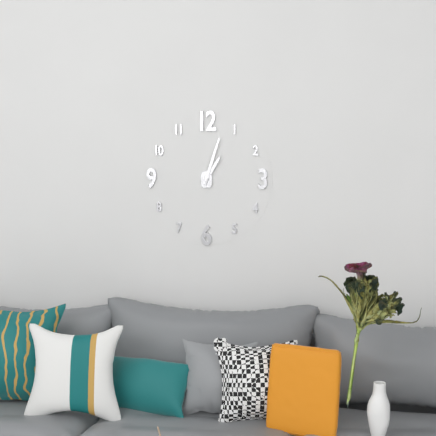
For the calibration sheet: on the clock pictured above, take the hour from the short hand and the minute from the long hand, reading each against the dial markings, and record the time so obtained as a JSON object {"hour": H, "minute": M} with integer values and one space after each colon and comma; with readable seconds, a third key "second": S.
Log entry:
{"hour": 1, "minute": 3}
